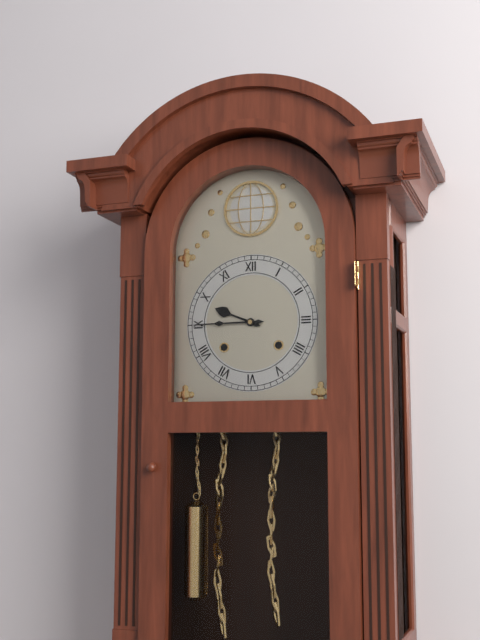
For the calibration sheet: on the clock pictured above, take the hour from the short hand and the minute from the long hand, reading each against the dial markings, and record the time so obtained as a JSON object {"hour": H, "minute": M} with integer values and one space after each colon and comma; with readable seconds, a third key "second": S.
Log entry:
{"hour": 9, "minute": 45}
